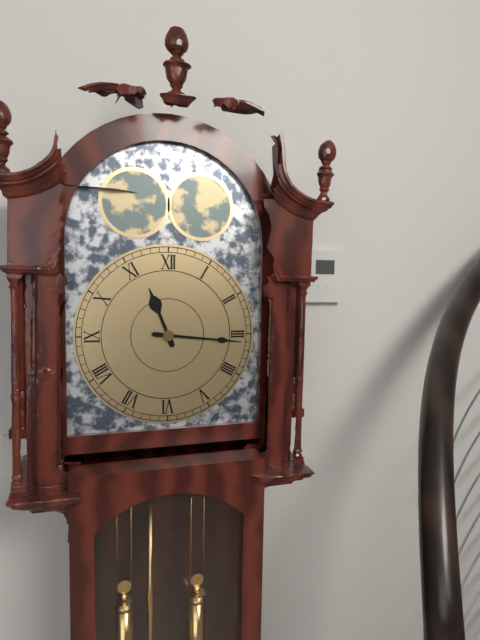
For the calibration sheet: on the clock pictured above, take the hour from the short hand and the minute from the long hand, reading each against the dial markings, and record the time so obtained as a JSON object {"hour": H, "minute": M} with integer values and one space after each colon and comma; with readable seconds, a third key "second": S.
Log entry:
{"hour": 11, "minute": 16}
